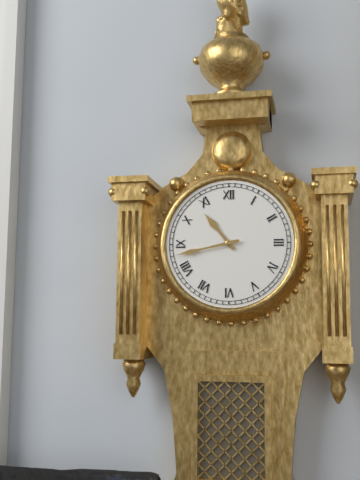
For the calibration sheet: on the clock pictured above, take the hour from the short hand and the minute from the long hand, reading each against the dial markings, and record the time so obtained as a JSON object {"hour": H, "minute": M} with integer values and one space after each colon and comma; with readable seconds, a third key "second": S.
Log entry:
{"hour": 10, "minute": 43}
